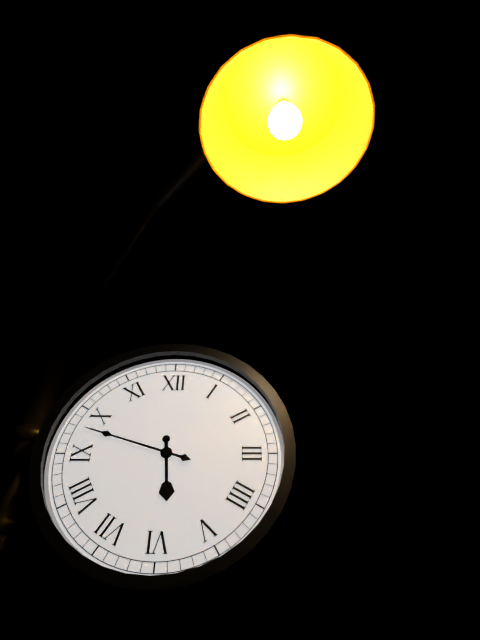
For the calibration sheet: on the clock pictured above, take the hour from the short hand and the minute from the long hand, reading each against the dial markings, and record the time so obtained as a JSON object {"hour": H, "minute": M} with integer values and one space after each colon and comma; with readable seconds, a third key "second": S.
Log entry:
{"hour": 5, "minute": 48}
